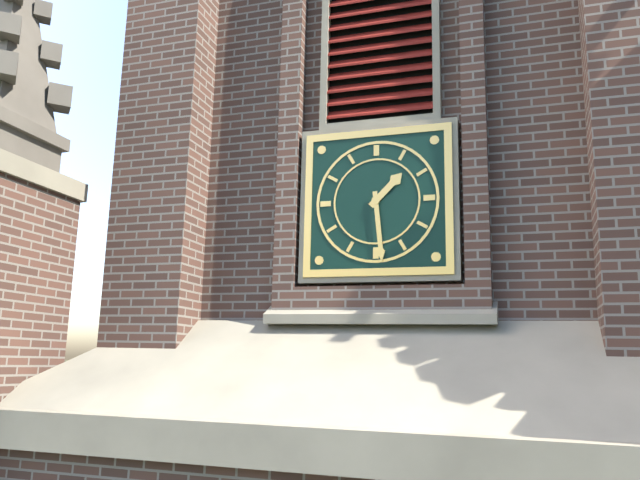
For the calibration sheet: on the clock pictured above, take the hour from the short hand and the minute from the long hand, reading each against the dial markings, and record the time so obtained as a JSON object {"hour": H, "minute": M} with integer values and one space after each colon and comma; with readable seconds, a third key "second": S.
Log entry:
{"hour": 1, "minute": 29}
